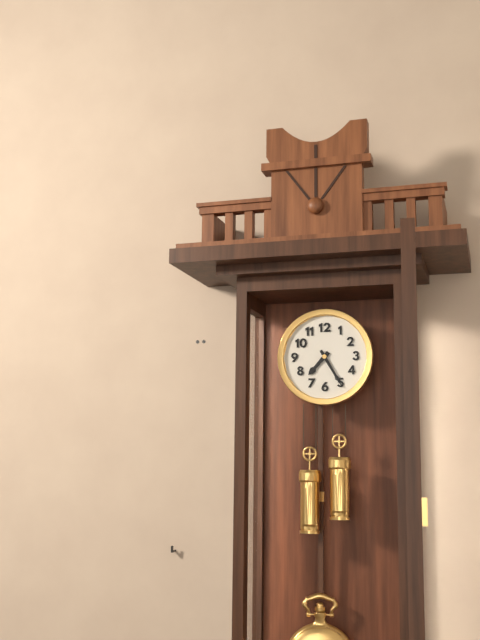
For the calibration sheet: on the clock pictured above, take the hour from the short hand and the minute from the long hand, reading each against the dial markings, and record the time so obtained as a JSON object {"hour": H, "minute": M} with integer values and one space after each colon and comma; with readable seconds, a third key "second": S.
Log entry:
{"hour": 7, "minute": 25}
